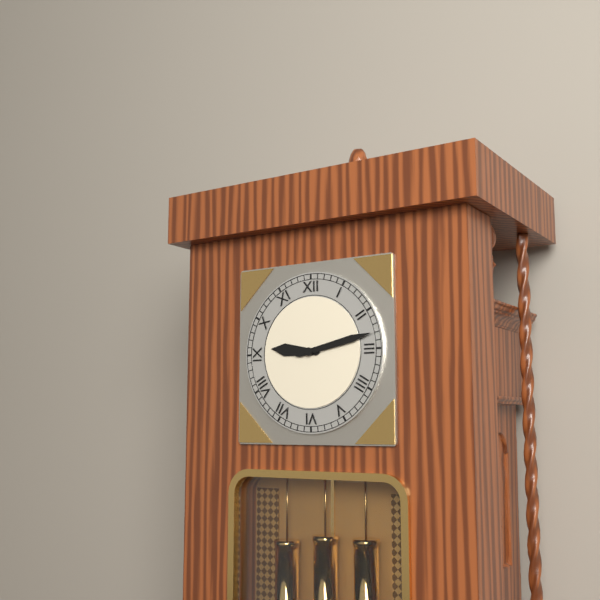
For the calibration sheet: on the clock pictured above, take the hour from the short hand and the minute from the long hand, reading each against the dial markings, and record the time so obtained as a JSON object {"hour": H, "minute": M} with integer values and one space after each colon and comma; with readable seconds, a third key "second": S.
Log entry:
{"hour": 9, "minute": 13}
